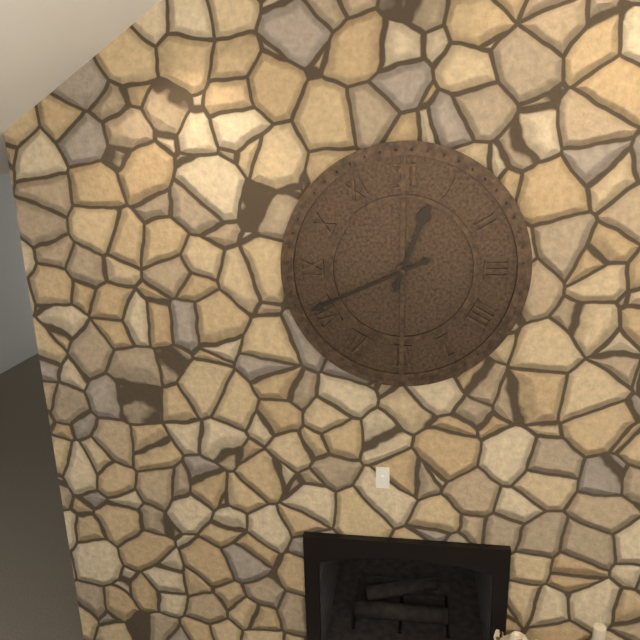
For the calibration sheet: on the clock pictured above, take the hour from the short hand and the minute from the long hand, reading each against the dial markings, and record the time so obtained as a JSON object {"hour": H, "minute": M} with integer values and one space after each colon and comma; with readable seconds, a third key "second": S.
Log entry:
{"hour": 12, "minute": 41}
